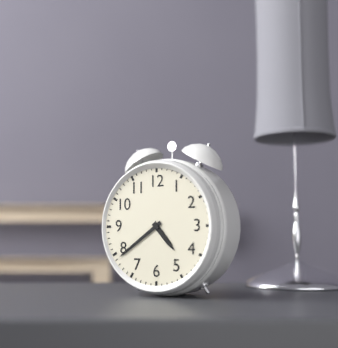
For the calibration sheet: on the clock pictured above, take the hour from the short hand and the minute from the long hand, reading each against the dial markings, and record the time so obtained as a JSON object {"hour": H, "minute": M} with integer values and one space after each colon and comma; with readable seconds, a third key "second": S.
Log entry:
{"hour": 4, "minute": 39}
